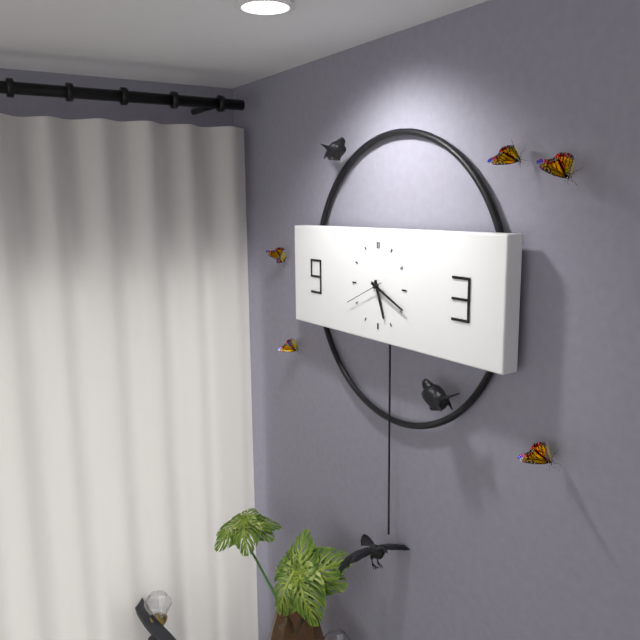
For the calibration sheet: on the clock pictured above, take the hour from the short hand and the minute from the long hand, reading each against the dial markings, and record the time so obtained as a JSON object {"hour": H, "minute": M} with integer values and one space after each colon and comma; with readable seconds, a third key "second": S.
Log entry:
{"hour": 5, "minute": 19}
